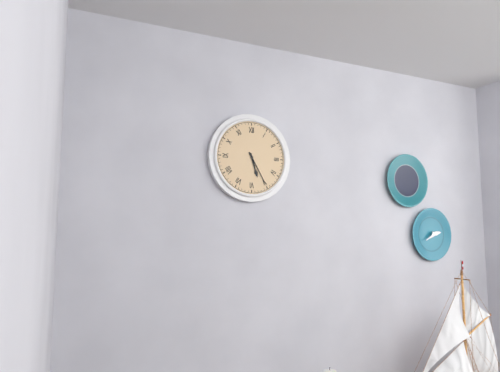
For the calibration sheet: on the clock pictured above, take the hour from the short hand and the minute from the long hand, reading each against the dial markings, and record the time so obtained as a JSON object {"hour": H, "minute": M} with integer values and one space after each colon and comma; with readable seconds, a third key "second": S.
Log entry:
{"hour": 5, "minute": 25}
